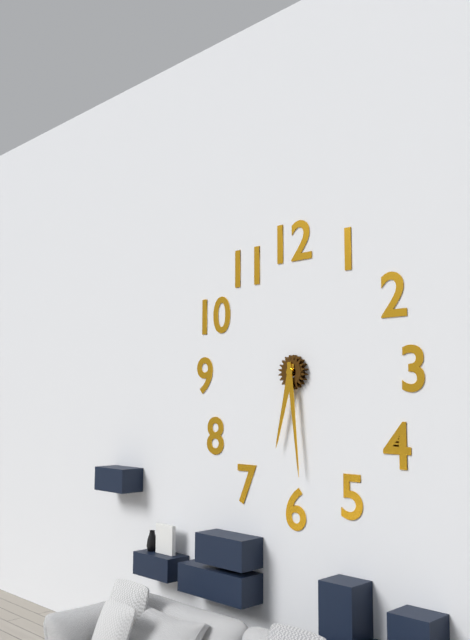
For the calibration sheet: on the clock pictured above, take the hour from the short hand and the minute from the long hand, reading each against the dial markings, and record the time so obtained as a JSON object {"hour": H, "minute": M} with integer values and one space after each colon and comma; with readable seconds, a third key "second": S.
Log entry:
{"hour": 6, "minute": 29}
